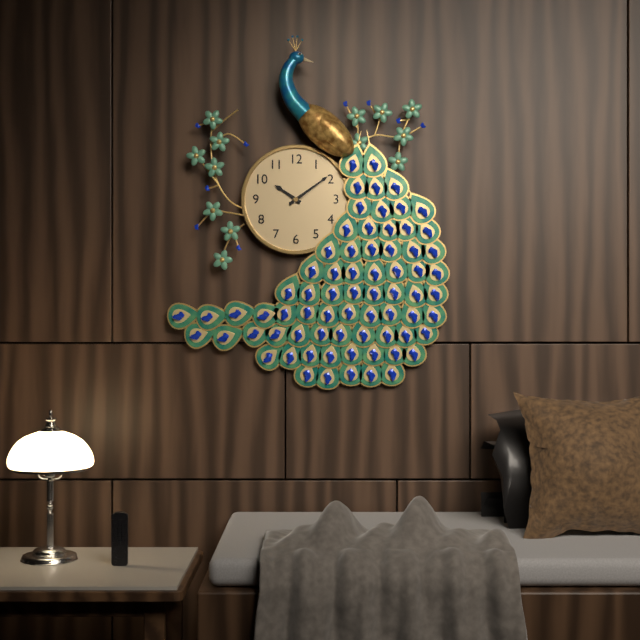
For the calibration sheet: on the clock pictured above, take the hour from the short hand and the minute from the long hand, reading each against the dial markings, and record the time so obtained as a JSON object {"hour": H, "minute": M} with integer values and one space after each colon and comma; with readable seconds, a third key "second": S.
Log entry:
{"hour": 10, "minute": 9}
